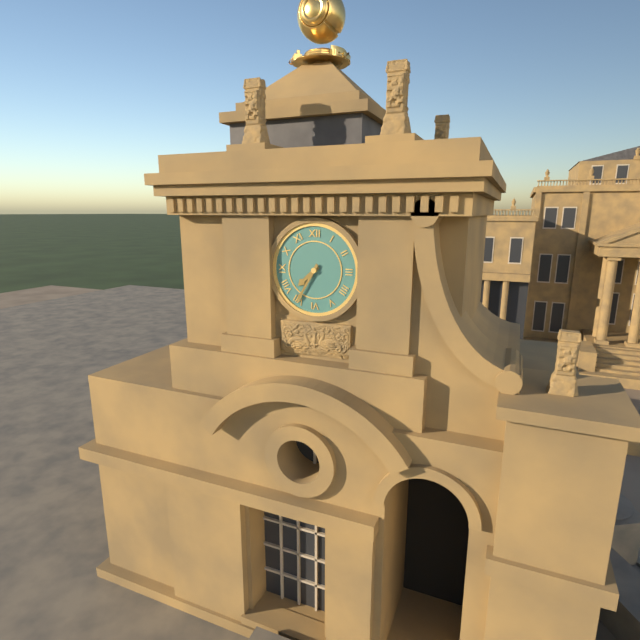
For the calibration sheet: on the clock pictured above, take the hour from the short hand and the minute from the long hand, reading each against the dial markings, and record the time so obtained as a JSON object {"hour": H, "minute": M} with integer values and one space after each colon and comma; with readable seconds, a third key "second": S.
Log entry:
{"hour": 7, "minute": 35}
